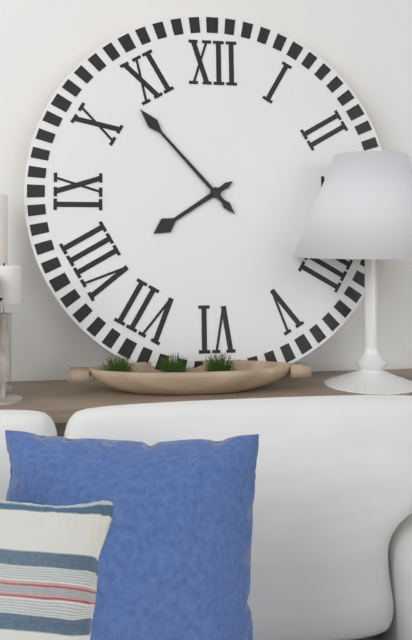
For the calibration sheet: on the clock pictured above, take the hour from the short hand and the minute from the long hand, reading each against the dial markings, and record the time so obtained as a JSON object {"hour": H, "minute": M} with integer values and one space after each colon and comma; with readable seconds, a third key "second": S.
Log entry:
{"hour": 7, "minute": 53}
